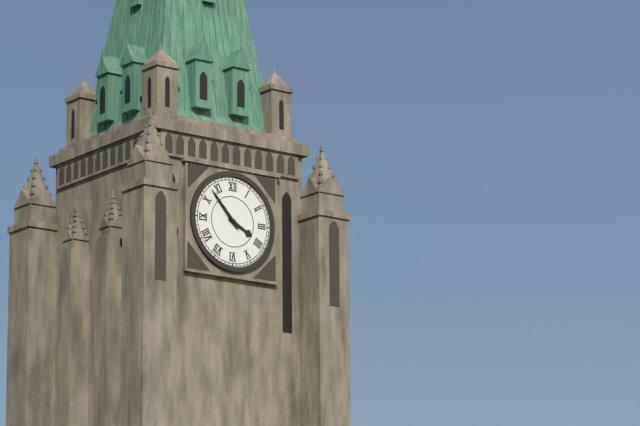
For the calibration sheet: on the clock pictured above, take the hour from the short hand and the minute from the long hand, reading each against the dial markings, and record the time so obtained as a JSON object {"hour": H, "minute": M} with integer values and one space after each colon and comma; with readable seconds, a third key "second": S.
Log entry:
{"hour": 3, "minute": 53}
